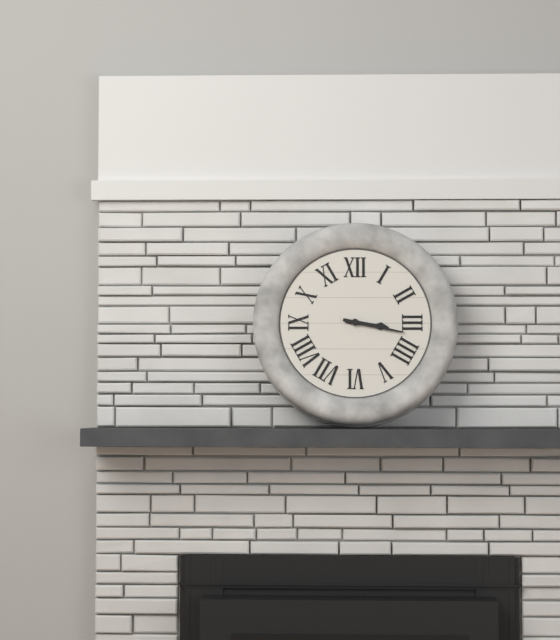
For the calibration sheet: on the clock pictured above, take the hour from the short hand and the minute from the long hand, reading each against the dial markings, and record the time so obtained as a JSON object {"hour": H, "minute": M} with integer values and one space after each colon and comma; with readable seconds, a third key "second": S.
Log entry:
{"hour": 3, "minute": 17}
